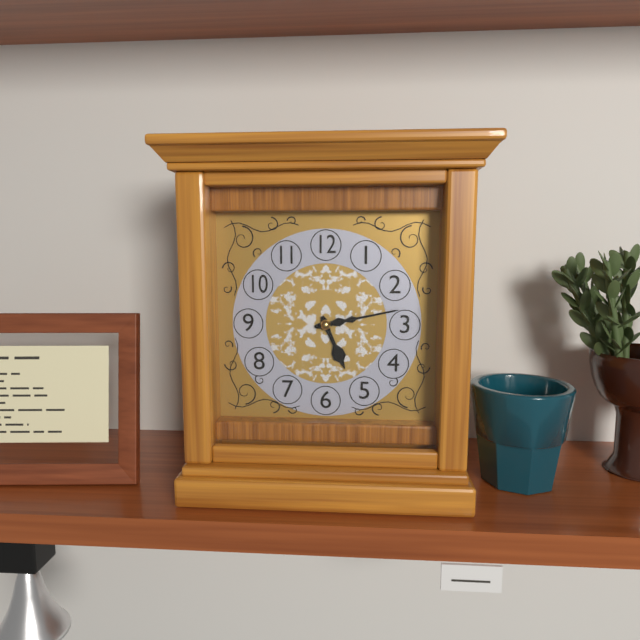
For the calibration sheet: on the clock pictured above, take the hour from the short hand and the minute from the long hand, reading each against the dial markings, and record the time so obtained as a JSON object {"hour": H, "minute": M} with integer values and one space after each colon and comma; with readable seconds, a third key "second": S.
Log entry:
{"hour": 5, "minute": 13}
